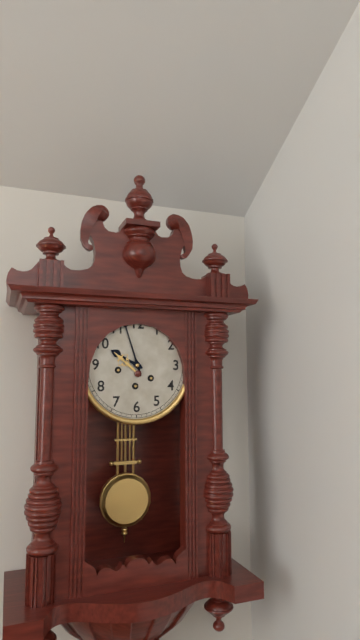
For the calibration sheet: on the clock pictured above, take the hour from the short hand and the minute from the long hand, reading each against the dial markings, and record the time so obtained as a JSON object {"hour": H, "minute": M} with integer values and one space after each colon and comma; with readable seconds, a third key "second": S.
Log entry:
{"hour": 9, "minute": 57}
